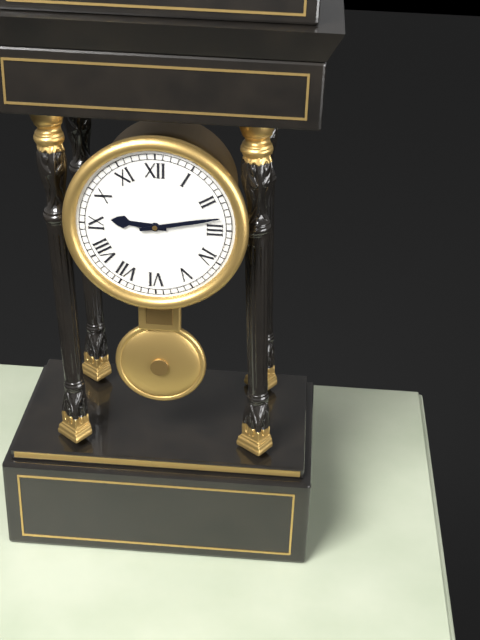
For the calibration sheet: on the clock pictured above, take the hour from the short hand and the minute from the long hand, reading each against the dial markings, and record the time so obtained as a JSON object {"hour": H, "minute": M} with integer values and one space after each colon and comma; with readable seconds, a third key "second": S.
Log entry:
{"hour": 9, "minute": 13}
